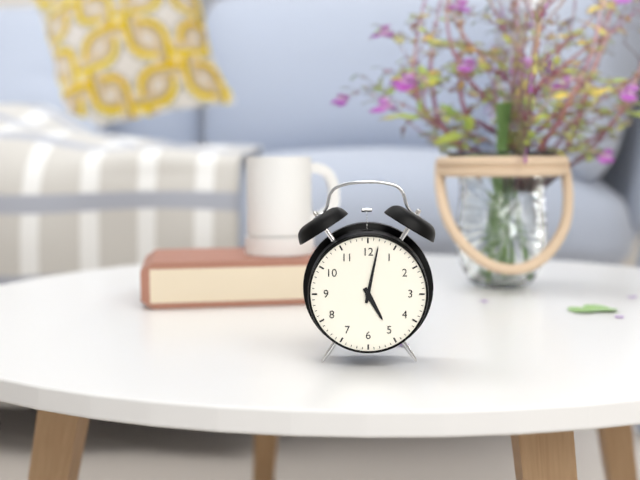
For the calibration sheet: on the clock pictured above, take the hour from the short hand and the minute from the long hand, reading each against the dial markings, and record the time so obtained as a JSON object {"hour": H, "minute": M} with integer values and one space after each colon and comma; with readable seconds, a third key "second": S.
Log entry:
{"hour": 5, "minute": 2}
